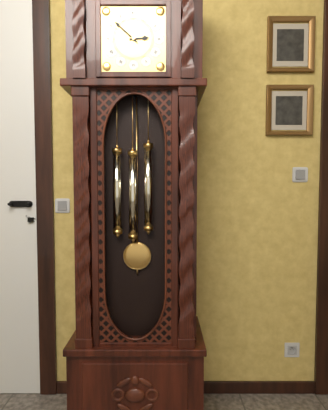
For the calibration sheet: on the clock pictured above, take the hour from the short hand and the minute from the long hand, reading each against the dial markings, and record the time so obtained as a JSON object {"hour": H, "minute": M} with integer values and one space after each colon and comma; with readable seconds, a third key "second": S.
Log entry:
{"hour": 2, "minute": 52}
